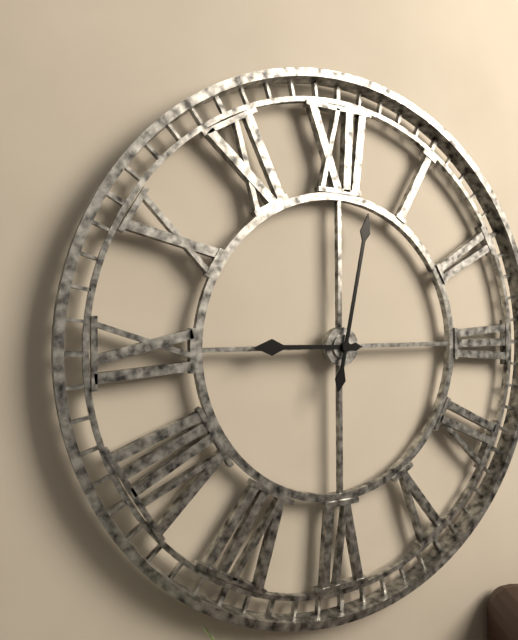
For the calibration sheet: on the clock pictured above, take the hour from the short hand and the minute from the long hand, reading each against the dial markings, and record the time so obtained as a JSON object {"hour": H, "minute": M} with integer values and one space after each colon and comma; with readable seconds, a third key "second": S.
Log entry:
{"hour": 9, "minute": 2}
